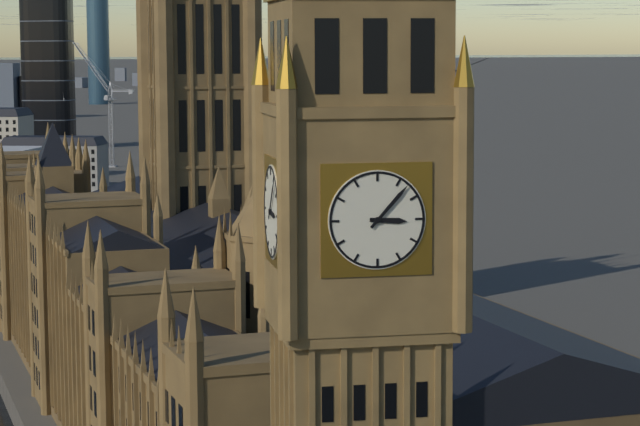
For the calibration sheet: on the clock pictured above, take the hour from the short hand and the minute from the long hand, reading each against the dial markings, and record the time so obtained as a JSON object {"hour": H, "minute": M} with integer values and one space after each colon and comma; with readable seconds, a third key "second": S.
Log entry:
{"hour": 3, "minute": 7}
